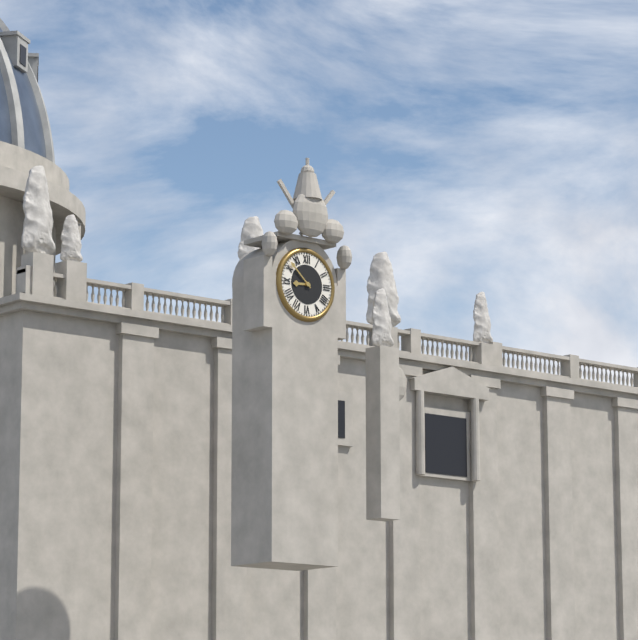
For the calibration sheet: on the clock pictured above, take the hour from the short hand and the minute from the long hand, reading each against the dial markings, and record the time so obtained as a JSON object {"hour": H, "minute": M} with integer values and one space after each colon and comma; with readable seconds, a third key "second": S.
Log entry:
{"hour": 8, "minute": 52}
